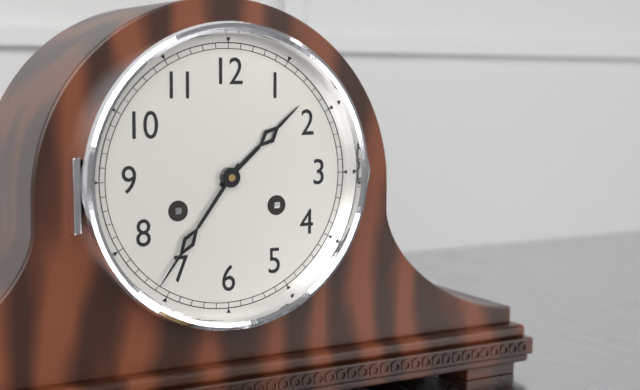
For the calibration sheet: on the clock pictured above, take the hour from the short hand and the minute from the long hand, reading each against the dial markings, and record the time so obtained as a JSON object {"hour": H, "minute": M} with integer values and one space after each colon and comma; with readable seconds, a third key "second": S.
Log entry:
{"hour": 1, "minute": 36}
